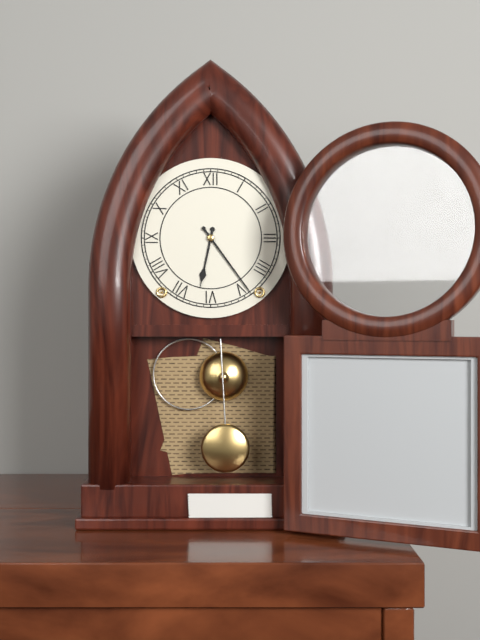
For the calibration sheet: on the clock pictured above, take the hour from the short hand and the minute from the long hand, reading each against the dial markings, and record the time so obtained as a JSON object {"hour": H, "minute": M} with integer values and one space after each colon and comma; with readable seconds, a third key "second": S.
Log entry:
{"hour": 6, "minute": 24}
